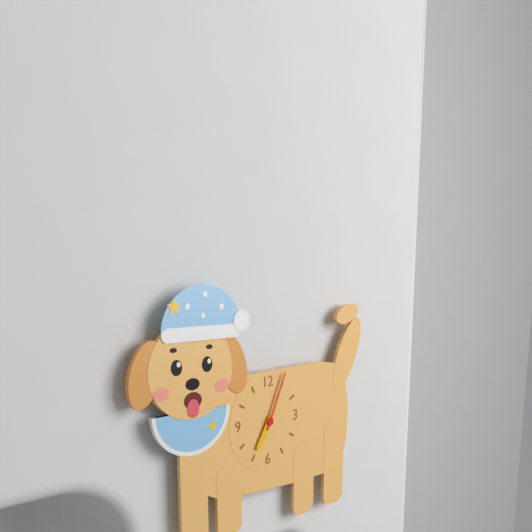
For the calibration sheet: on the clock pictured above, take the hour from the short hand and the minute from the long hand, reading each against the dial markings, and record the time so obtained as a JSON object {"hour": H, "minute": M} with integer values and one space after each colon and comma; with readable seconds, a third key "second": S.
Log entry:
{"hour": 7, "minute": 4}
